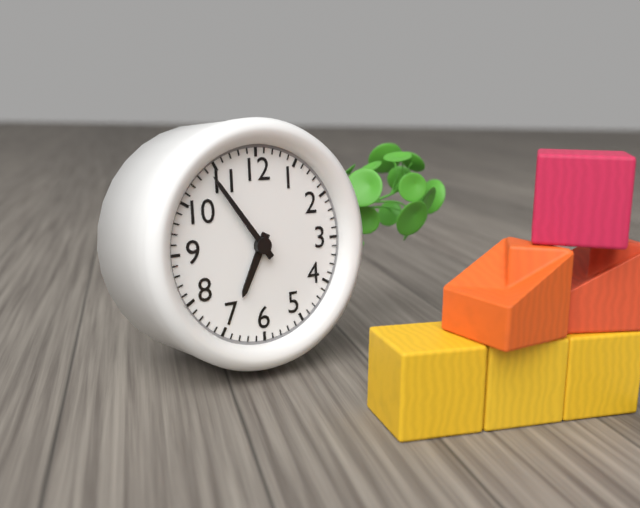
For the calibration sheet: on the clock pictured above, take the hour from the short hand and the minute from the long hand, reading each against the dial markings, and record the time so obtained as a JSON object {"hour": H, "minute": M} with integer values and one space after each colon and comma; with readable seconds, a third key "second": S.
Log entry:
{"hour": 6, "minute": 54}
